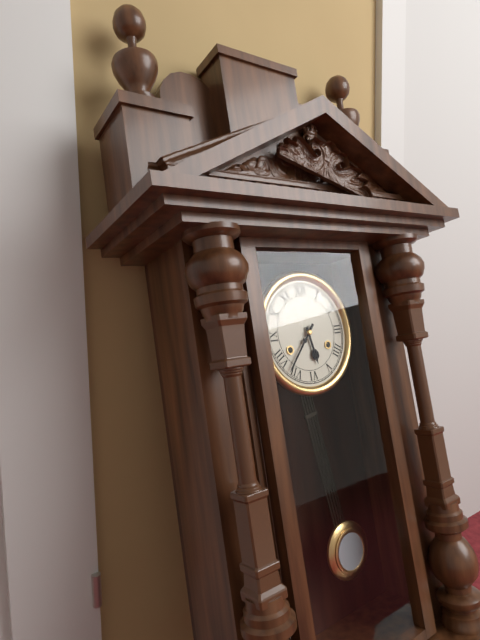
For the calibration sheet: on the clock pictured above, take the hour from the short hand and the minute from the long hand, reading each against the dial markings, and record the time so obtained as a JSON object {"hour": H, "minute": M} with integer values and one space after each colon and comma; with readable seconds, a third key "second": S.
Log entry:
{"hour": 5, "minute": 37}
